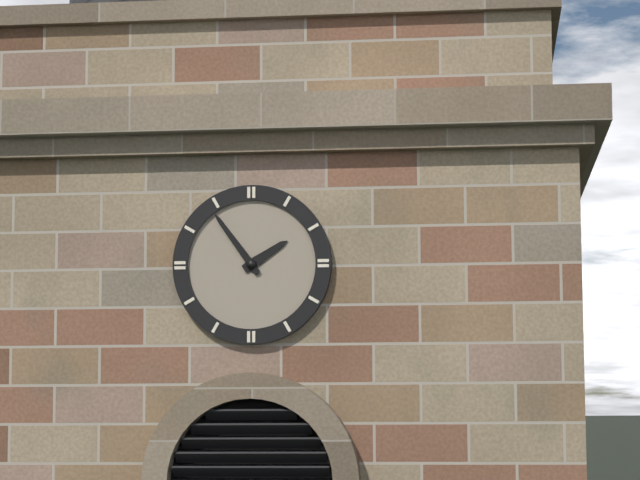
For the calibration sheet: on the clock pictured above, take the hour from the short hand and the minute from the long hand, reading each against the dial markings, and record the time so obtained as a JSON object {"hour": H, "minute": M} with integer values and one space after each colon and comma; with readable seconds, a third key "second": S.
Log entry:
{"hour": 1, "minute": 54}
